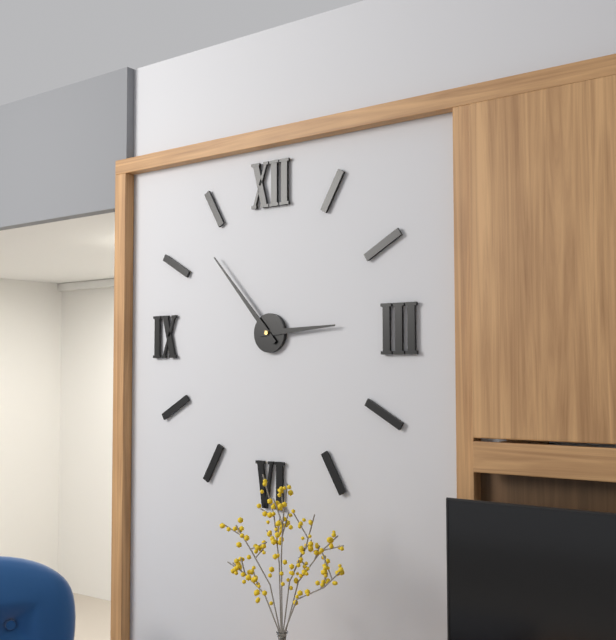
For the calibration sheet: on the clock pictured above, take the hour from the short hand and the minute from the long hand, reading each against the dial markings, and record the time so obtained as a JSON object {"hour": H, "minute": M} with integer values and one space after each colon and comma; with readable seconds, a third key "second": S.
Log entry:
{"hour": 2, "minute": 53}
